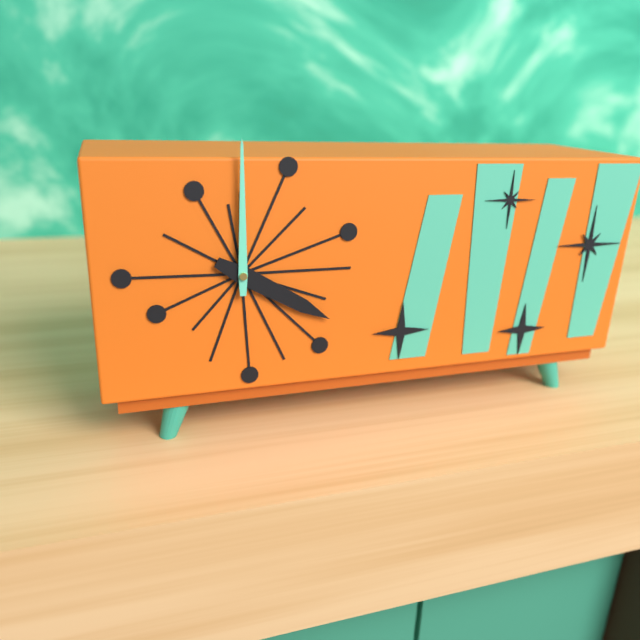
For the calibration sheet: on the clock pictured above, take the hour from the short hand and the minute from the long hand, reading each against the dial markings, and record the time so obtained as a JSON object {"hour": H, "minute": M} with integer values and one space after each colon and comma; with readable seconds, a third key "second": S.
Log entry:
{"hour": 4, "minute": 0}
